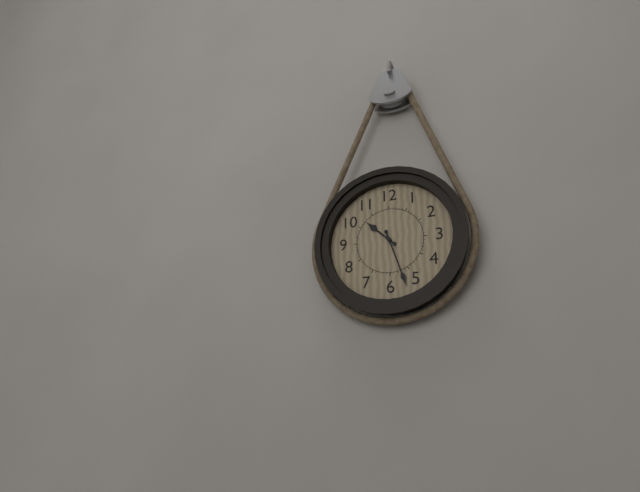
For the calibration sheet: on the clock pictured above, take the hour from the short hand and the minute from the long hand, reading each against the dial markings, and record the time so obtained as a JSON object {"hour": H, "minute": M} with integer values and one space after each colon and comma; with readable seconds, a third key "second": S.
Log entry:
{"hour": 10, "minute": 27}
